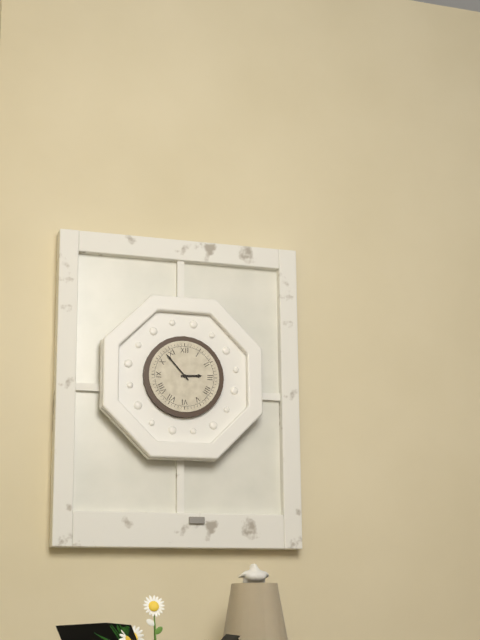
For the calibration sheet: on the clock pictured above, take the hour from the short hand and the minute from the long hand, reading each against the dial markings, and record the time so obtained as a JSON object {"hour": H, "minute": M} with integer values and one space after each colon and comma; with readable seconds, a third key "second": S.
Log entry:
{"hour": 2, "minute": 53}
